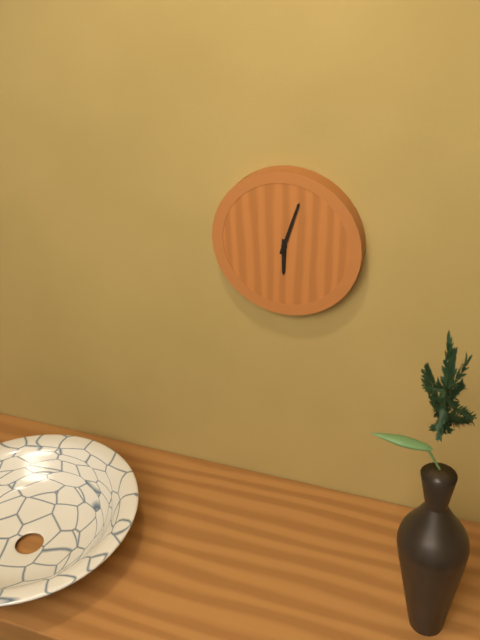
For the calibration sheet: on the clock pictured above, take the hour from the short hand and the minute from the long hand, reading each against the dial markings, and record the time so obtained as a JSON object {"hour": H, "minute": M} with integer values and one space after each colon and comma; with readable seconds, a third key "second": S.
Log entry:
{"hour": 6, "minute": 3}
